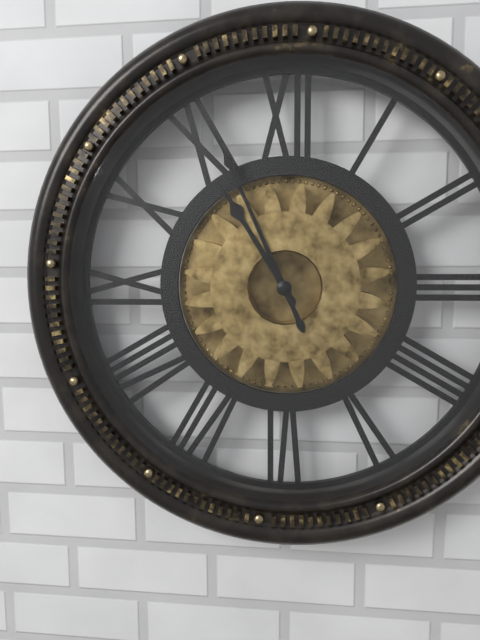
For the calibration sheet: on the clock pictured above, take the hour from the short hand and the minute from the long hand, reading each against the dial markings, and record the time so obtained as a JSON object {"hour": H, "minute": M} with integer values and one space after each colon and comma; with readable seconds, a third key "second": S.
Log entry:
{"hour": 10, "minute": 56}
